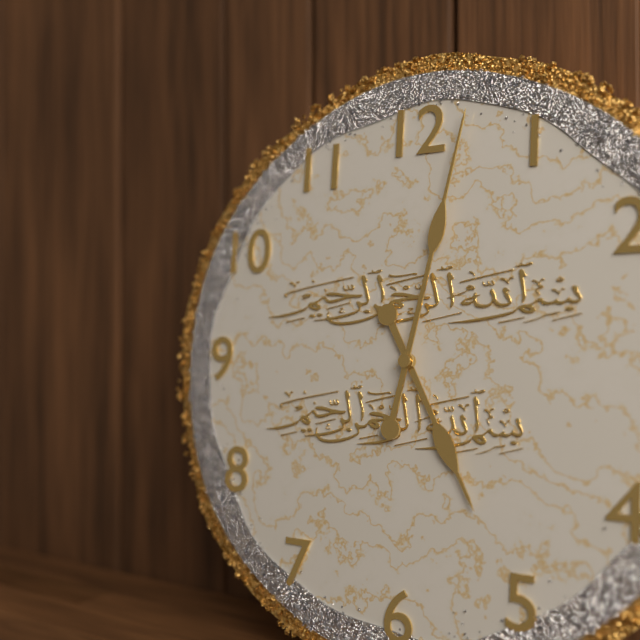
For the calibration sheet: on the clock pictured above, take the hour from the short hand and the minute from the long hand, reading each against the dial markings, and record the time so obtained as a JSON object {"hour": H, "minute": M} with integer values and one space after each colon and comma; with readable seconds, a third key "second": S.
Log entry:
{"hour": 5, "minute": 2}
